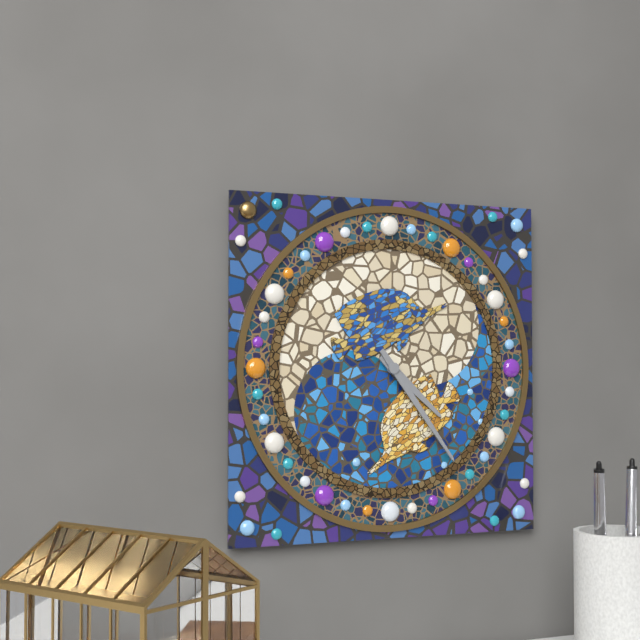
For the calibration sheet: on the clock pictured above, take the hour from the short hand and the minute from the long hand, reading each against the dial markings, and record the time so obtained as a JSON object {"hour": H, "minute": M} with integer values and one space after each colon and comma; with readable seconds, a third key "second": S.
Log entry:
{"hour": 4, "minute": 24}
